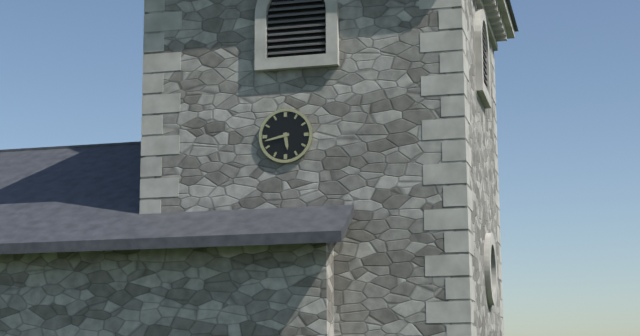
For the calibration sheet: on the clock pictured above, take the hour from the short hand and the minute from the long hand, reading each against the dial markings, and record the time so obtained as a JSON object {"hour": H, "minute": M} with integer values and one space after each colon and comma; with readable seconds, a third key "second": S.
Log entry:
{"hour": 5, "minute": 43}
